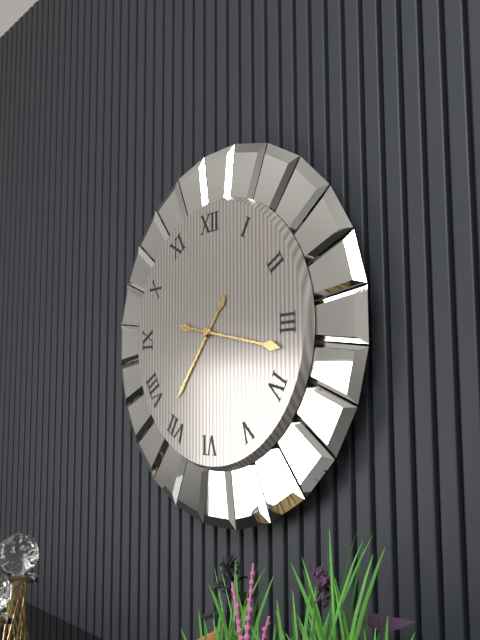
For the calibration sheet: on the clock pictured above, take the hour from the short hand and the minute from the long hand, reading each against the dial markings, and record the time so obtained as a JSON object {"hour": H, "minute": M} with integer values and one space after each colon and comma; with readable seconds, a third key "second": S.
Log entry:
{"hour": 7, "minute": 17}
